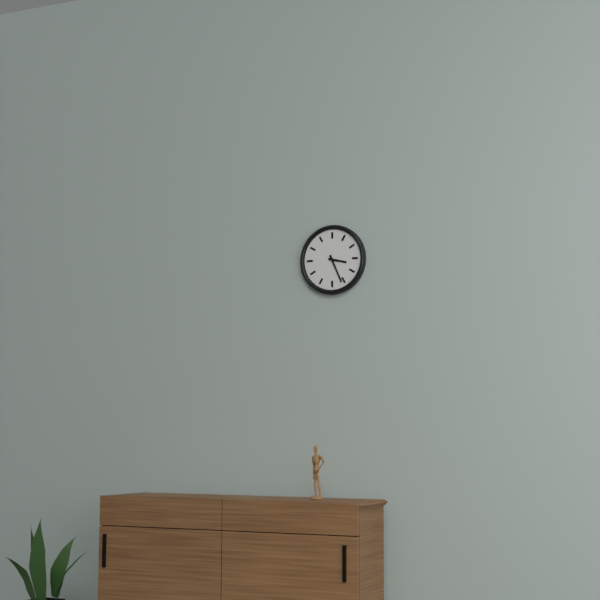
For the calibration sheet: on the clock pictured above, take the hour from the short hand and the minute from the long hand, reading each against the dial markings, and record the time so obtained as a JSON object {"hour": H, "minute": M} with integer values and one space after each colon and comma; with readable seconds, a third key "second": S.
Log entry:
{"hour": 3, "minute": 26}
